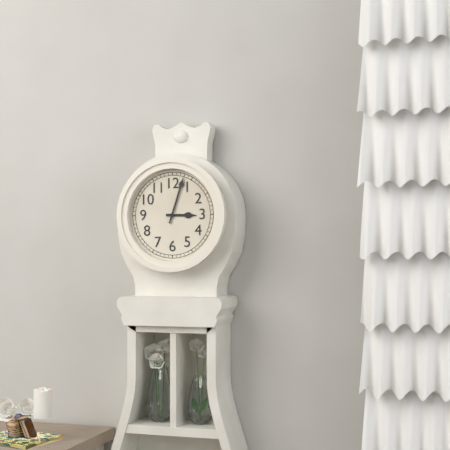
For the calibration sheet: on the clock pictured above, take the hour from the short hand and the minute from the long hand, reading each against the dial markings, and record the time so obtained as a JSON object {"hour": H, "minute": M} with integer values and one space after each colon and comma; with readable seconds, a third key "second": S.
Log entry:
{"hour": 3, "minute": 3}
